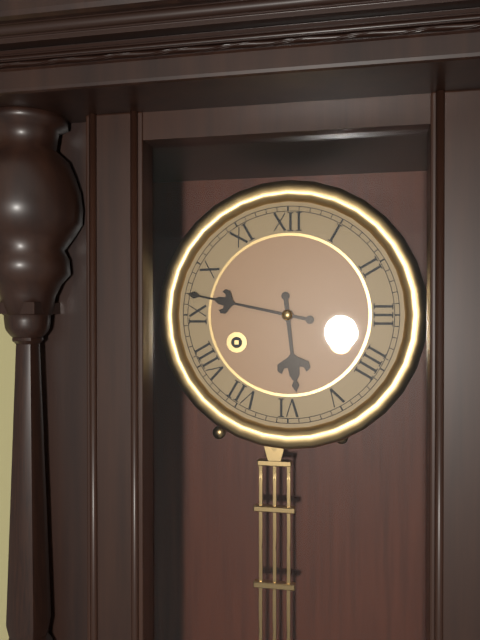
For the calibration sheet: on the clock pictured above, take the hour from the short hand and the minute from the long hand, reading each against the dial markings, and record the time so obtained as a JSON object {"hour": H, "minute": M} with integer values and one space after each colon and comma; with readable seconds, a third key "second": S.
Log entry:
{"hour": 5, "minute": 47}
